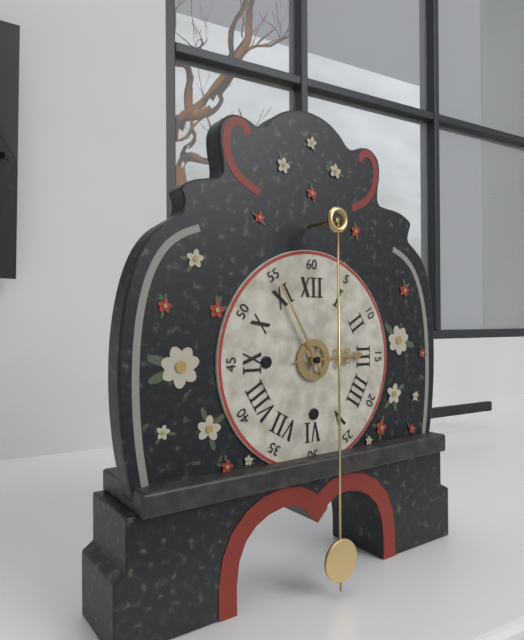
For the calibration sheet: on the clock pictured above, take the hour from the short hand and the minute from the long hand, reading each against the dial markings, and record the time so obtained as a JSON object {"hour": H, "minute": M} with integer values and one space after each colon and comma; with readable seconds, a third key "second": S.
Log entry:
{"hour": 2, "minute": 55}
